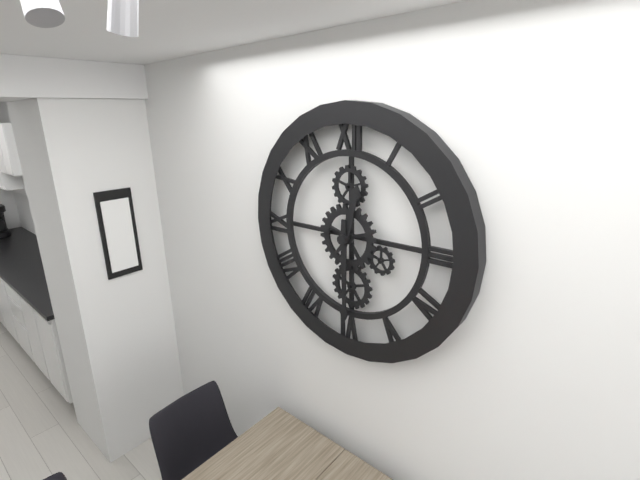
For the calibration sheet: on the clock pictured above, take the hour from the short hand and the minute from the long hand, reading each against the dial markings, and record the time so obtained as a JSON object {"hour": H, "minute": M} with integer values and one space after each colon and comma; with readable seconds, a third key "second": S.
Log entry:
{"hour": 12, "minute": 30}
